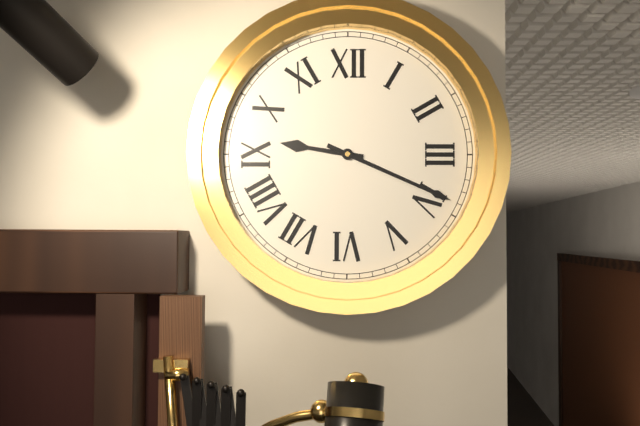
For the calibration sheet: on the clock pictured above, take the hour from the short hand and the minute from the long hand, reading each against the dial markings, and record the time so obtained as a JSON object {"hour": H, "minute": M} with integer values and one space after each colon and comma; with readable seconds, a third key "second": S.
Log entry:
{"hour": 9, "minute": 19}
